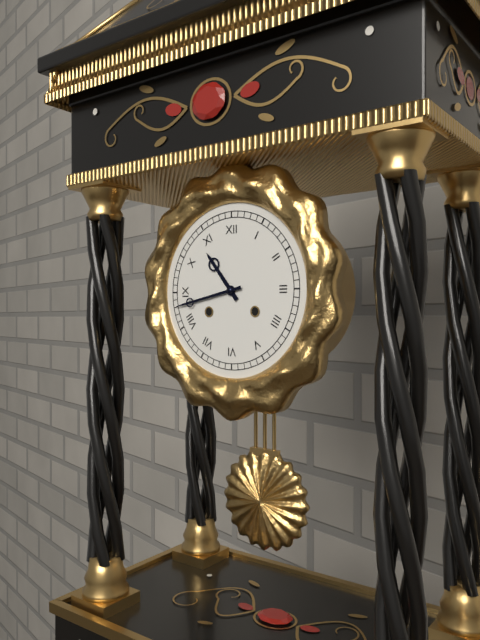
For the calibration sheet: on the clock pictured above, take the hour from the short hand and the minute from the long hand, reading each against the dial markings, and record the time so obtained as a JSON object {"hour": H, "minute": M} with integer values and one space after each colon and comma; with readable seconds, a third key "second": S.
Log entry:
{"hour": 10, "minute": 43}
